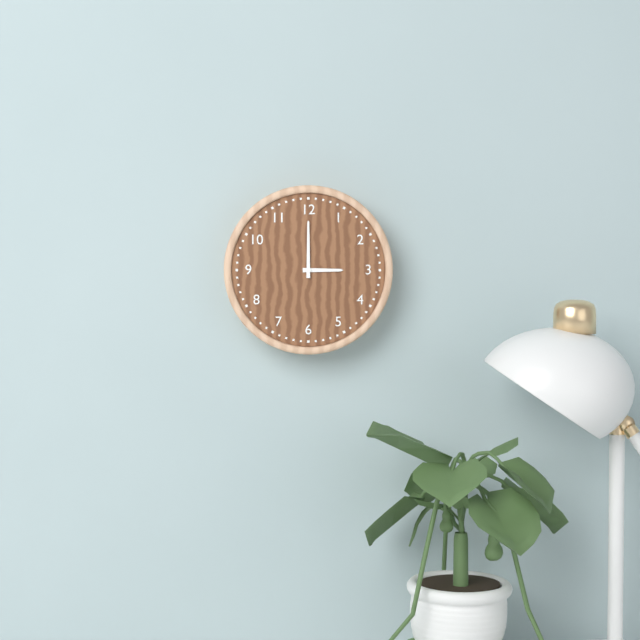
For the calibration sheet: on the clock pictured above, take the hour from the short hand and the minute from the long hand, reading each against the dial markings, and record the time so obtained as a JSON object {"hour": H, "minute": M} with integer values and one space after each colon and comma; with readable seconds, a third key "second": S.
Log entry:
{"hour": 3, "minute": 0}
